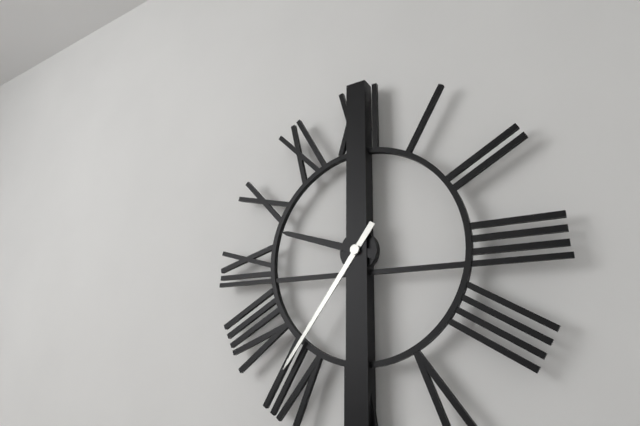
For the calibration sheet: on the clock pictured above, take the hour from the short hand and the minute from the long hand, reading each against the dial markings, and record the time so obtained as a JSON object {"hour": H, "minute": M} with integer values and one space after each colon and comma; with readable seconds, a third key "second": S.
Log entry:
{"hour": 9, "minute": 36}
